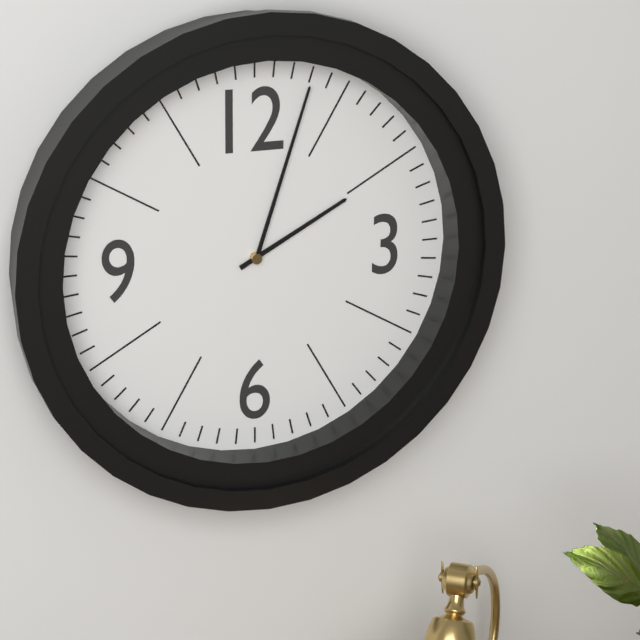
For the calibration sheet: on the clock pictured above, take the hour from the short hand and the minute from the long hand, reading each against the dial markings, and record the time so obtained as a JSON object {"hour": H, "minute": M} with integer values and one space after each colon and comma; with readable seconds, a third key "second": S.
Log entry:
{"hour": 2, "minute": 3}
